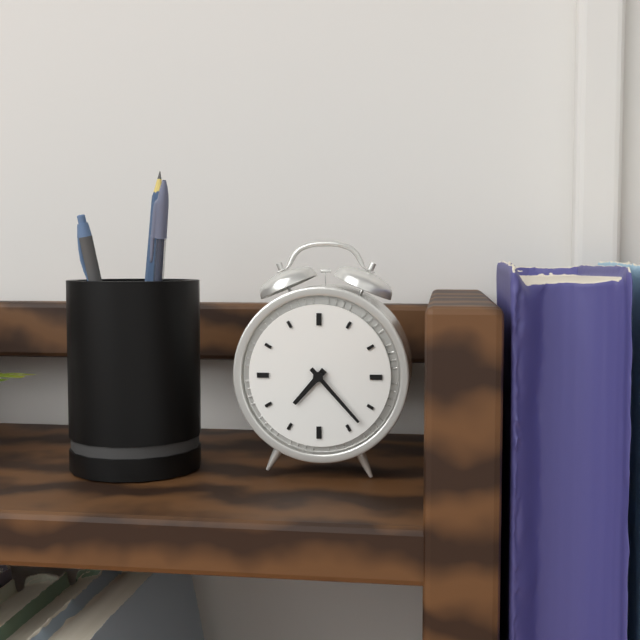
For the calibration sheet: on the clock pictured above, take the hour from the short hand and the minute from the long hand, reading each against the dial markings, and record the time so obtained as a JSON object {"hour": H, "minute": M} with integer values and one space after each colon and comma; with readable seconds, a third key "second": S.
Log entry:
{"hour": 7, "minute": 23}
